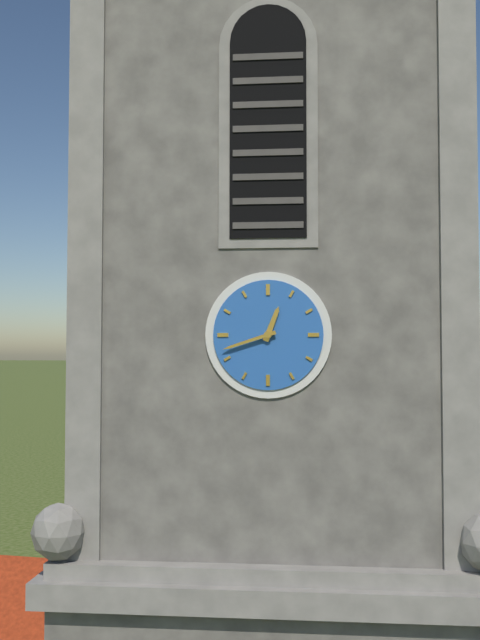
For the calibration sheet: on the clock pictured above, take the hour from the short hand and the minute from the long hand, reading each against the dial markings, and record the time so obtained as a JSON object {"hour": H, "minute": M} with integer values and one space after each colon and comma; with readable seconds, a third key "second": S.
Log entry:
{"hour": 12, "minute": 42}
